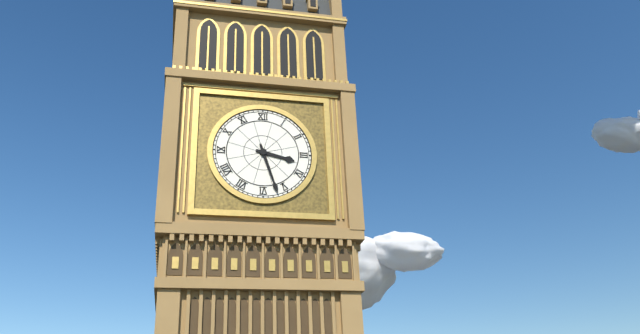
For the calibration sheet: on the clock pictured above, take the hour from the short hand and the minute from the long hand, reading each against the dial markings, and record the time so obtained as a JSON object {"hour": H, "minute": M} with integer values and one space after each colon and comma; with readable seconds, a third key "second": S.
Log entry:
{"hour": 3, "minute": 27}
